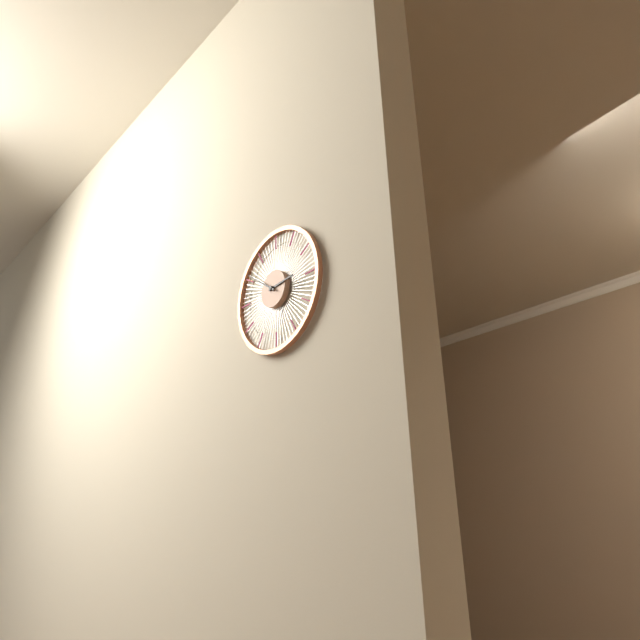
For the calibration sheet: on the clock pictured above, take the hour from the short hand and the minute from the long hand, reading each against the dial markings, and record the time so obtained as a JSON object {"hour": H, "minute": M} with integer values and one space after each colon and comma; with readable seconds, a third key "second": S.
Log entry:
{"hour": 2, "minute": 51}
